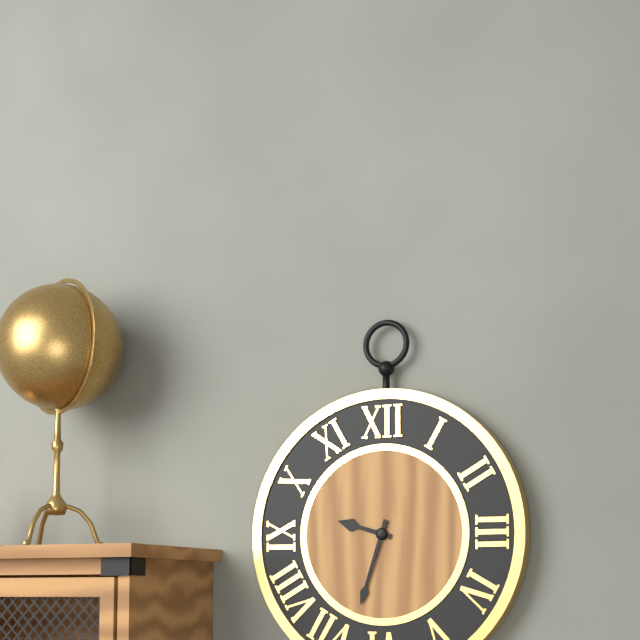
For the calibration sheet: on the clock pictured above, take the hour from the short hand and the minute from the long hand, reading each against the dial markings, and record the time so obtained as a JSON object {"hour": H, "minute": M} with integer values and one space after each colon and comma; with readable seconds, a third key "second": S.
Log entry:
{"hour": 9, "minute": 33}
